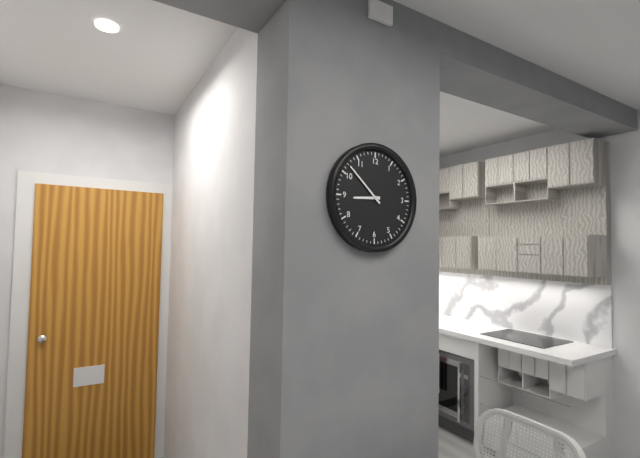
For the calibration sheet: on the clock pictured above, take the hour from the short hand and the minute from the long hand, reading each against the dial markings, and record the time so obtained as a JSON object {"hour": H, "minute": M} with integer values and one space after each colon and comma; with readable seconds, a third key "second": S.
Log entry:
{"hour": 8, "minute": 52}
